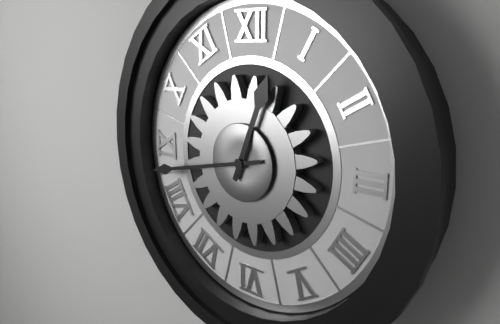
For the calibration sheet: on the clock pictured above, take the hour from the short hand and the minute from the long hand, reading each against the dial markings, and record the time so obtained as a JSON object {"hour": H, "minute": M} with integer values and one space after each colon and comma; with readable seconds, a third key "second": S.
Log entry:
{"hour": 12, "minute": 43}
